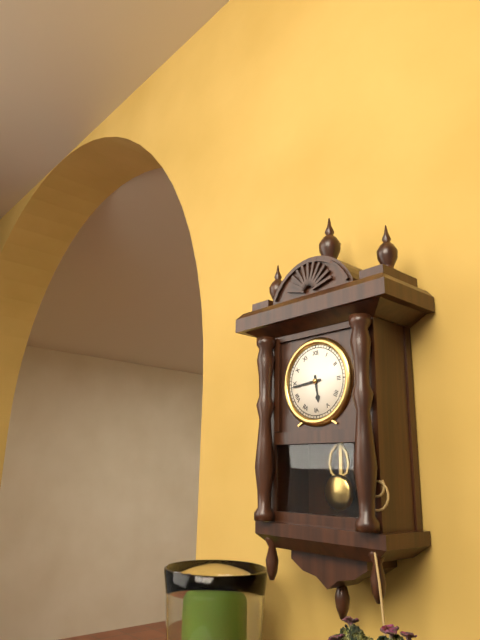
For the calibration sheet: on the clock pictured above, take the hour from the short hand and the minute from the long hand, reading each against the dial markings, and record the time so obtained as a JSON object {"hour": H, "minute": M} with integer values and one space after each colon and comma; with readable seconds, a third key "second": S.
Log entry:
{"hour": 5, "minute": 44}
